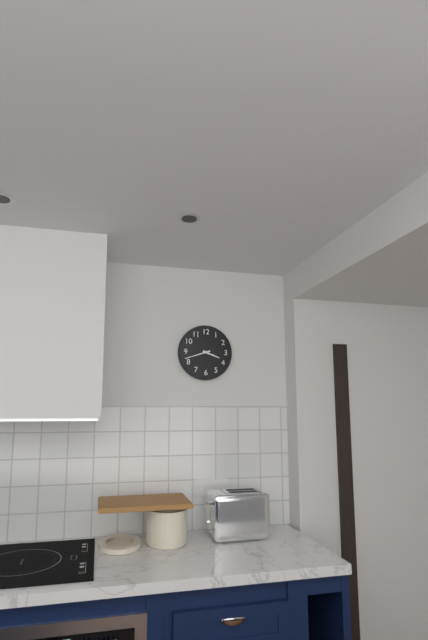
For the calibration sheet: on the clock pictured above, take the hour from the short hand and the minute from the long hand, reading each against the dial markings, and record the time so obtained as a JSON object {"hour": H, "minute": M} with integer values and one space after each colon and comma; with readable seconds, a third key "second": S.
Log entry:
{"hour": 3, "minute": 42}
